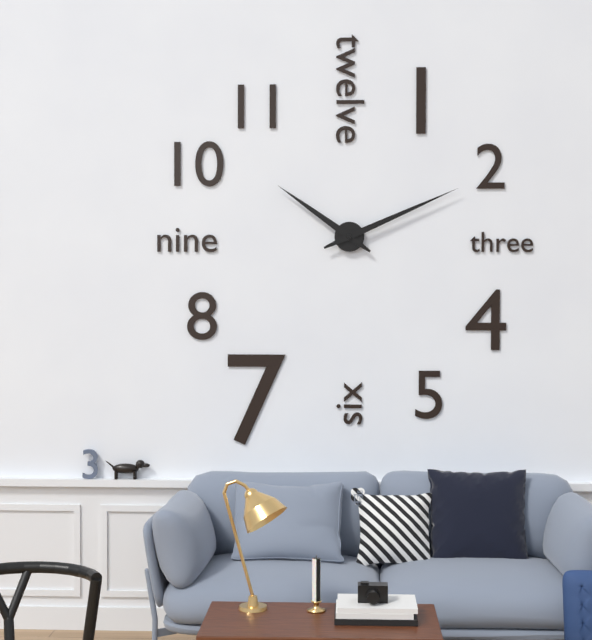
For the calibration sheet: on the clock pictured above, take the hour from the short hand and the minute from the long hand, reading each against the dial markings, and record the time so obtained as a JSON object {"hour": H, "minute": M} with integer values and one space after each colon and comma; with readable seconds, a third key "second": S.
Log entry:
{"hour": 10, "minute": 11}
